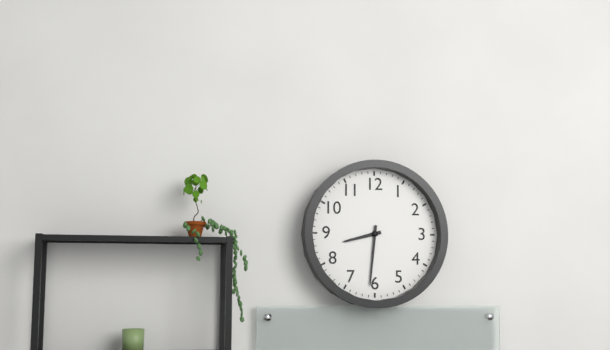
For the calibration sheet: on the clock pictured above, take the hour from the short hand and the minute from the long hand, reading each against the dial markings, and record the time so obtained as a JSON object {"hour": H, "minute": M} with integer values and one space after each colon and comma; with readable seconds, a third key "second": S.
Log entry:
{"hour": 8, "minute": 31}
